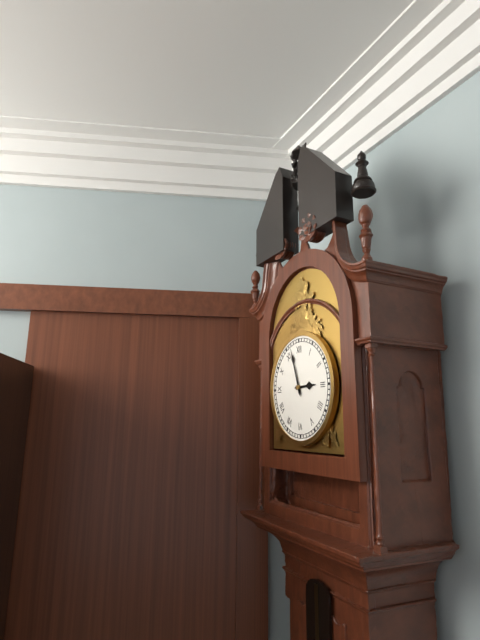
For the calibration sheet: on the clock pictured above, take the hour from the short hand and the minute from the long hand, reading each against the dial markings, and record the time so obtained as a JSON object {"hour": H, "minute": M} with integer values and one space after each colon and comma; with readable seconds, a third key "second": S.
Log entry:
{"hour": 2, "minute": 57}
